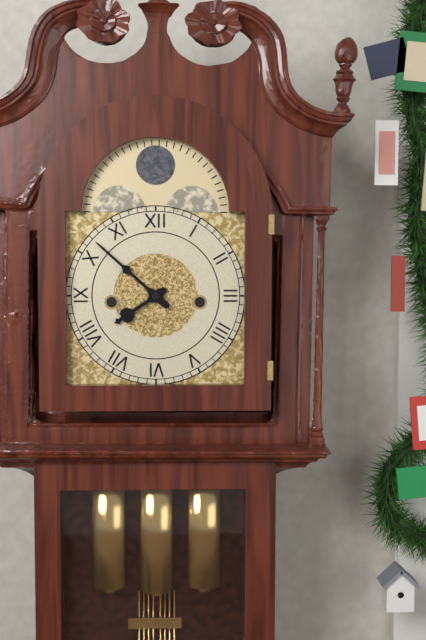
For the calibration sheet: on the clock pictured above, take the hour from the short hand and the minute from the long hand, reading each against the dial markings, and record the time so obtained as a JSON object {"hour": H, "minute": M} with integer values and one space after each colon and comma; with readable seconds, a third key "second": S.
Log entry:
{"hour": 7, "minute": 52}
